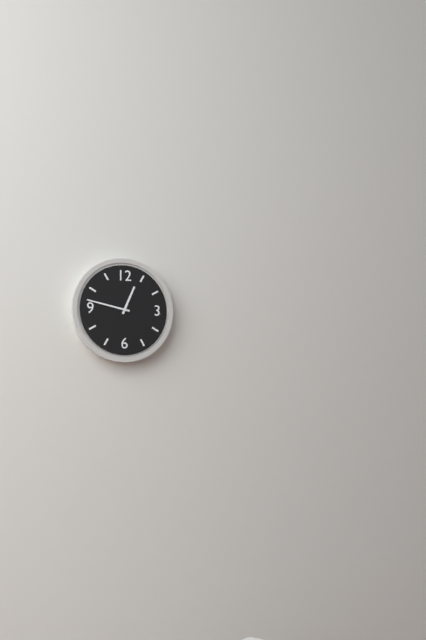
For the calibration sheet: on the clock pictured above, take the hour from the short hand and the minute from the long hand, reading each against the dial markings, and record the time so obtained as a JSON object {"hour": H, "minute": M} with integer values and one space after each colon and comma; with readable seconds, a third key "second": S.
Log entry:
{"hour": 12, "minute": 47}
